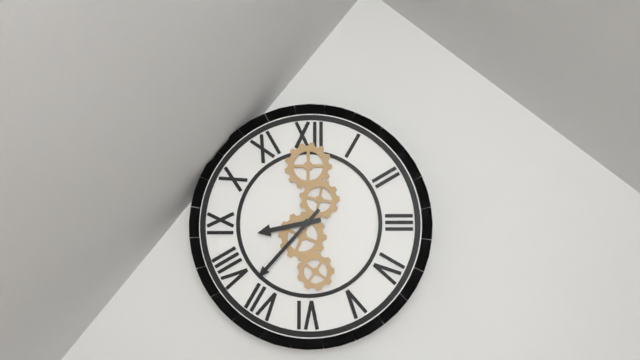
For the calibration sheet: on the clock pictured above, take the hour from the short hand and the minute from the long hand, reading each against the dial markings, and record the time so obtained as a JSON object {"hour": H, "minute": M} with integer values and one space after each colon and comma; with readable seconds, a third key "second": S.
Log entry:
{"hour": 8, "minute": 37}
